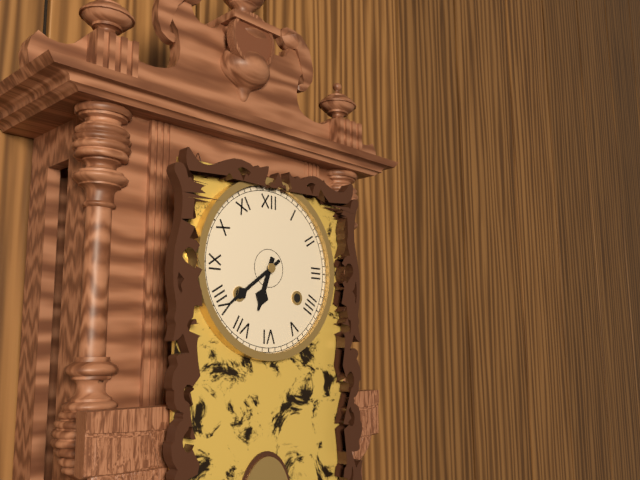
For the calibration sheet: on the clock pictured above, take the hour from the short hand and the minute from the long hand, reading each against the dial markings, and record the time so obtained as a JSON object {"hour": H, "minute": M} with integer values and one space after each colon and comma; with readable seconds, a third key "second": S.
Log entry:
{"hour": 6, "minute": 39}
